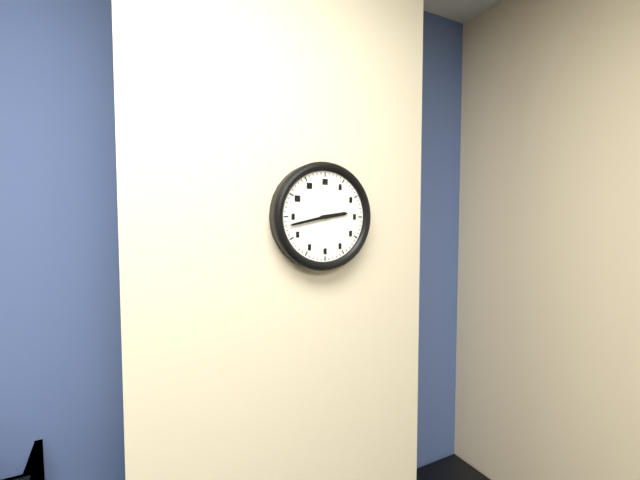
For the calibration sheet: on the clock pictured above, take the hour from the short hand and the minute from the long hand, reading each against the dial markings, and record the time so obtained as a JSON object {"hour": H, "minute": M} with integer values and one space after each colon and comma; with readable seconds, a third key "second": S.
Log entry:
{"hour": 2, "minute": 43}
